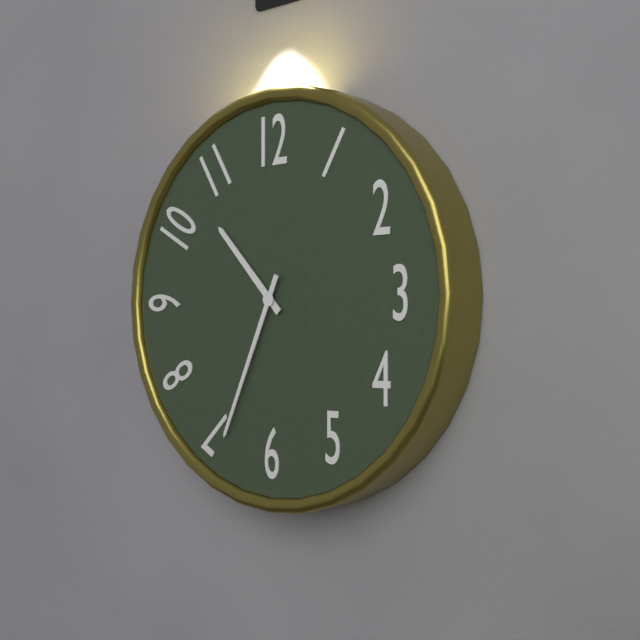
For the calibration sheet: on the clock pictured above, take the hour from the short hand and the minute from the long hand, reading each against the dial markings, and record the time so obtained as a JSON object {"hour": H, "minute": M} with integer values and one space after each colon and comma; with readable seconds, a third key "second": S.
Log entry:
{"hour": 10, "minute": 34}
